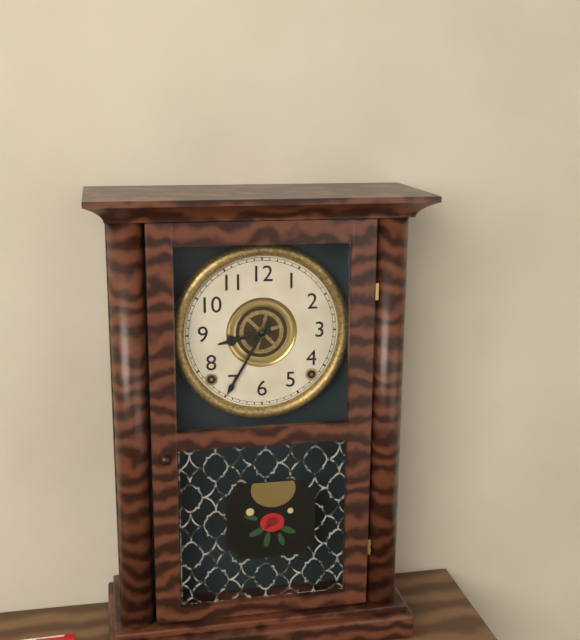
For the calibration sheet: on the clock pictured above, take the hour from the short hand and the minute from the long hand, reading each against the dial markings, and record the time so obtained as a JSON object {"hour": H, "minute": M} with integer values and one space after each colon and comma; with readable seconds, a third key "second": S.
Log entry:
{"hour": 8, "minute": 35}
